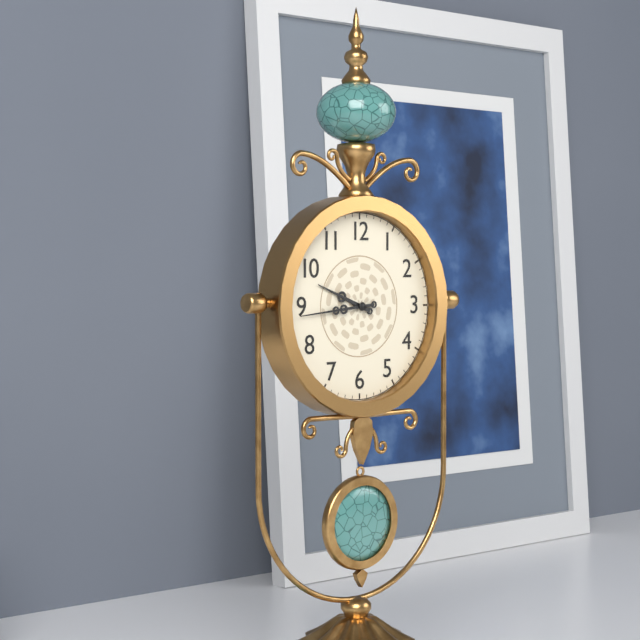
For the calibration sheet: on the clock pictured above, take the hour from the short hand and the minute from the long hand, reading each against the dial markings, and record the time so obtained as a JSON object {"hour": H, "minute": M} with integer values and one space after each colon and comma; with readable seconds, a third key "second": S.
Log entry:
{"hour": 9, "minute": 44}
